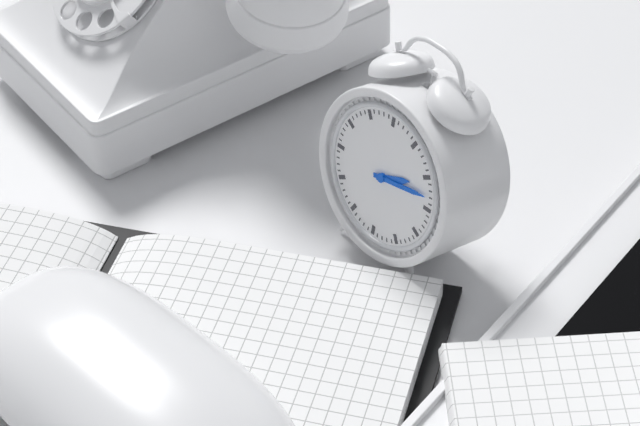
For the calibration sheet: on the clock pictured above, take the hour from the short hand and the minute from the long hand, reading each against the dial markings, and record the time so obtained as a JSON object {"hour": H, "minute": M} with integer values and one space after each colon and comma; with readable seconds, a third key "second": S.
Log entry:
{"hour": 2, "minute": 13}
